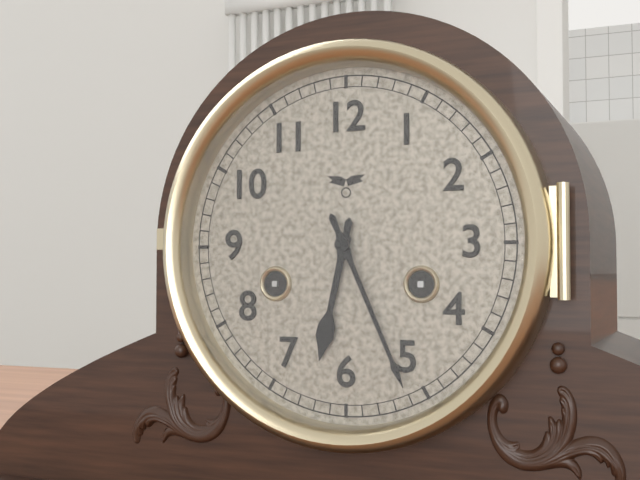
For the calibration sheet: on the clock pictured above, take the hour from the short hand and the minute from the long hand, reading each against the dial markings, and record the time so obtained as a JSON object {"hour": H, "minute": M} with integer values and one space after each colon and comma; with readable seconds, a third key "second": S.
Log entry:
{"hour": 6, "minute": 26}
